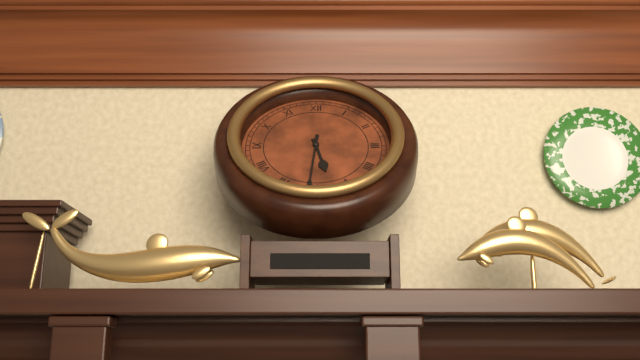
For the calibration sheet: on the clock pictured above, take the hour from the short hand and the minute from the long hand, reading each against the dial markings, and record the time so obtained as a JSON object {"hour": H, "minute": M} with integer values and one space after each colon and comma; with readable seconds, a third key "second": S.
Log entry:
{"hour": 5, "minute": 31}
